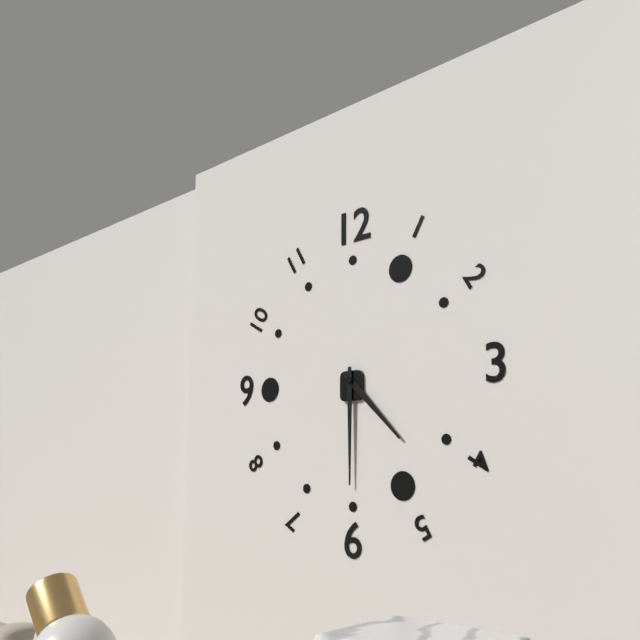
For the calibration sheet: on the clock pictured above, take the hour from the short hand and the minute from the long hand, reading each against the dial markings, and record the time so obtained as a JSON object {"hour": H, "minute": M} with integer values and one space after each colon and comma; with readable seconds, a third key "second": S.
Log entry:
{"hour": 4, "minute": 30}
